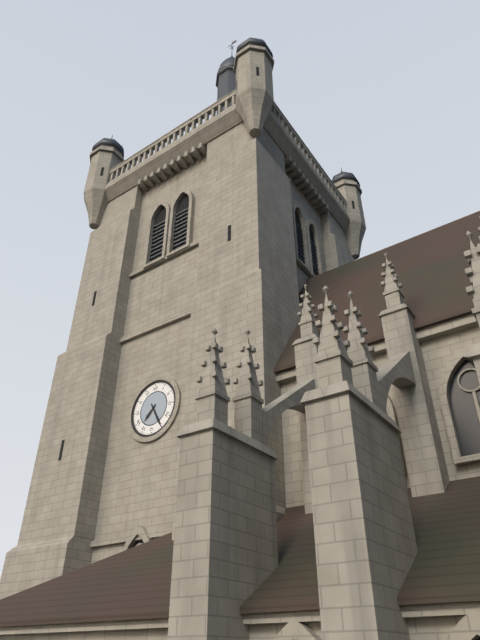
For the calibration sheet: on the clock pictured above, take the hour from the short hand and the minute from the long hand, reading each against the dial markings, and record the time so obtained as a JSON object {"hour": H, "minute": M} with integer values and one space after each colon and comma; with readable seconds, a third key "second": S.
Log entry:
{"hour": 7, "minute": 25}
